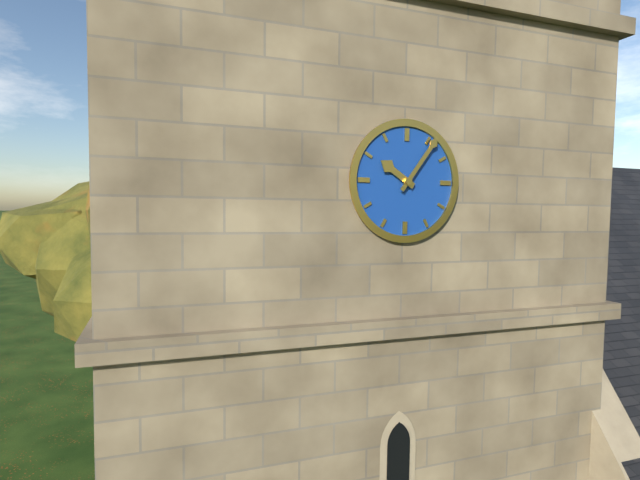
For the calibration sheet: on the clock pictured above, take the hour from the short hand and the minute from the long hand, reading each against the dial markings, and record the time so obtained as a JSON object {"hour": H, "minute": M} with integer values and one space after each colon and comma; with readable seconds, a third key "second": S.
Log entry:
{"hour": 10, "minute": 6}
